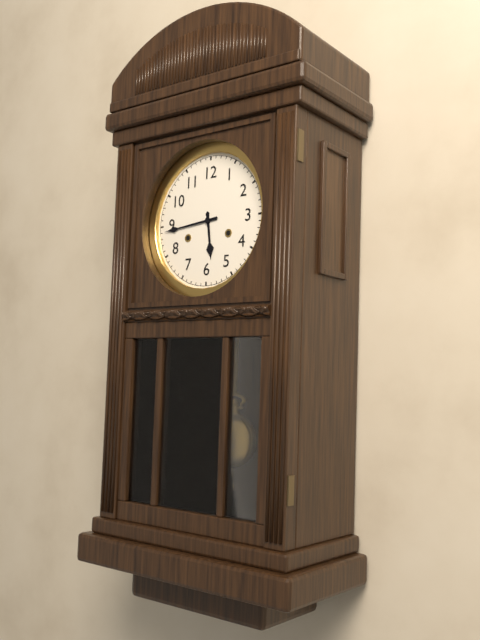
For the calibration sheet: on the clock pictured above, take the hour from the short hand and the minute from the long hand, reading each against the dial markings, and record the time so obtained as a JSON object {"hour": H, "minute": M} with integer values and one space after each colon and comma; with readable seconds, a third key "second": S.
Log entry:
{"hour": 5, "minute": 44}
